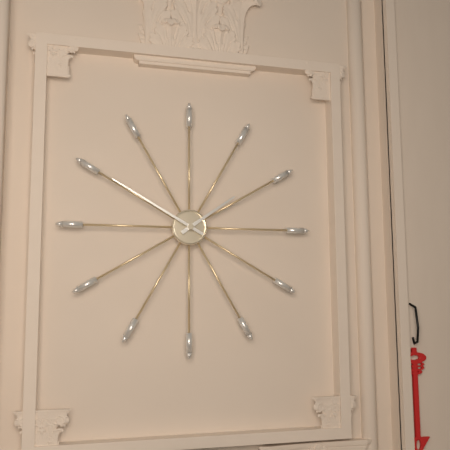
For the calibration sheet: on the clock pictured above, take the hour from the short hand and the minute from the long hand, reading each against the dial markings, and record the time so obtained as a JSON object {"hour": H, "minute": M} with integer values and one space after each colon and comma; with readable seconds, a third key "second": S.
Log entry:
{"hour": 1, "minute": 50}
